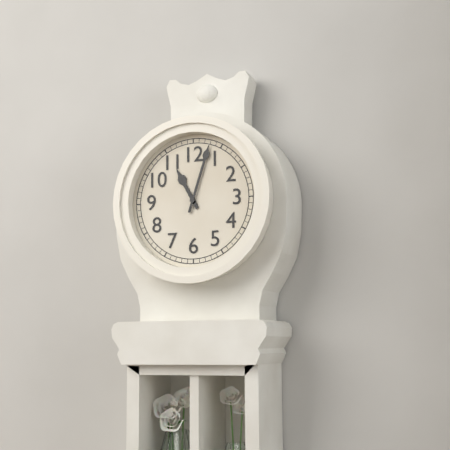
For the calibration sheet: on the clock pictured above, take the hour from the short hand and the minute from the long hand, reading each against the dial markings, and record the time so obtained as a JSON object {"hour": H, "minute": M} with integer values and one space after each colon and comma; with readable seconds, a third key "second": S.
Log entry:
{"hour": 11, "minute": 3}
